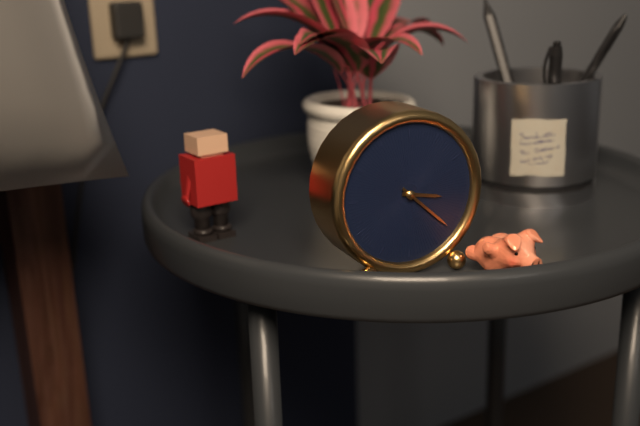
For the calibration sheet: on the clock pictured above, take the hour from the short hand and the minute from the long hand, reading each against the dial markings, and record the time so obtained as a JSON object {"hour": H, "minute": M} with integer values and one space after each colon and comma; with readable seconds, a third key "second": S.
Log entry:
{"hour": 3, "minute": 22}
